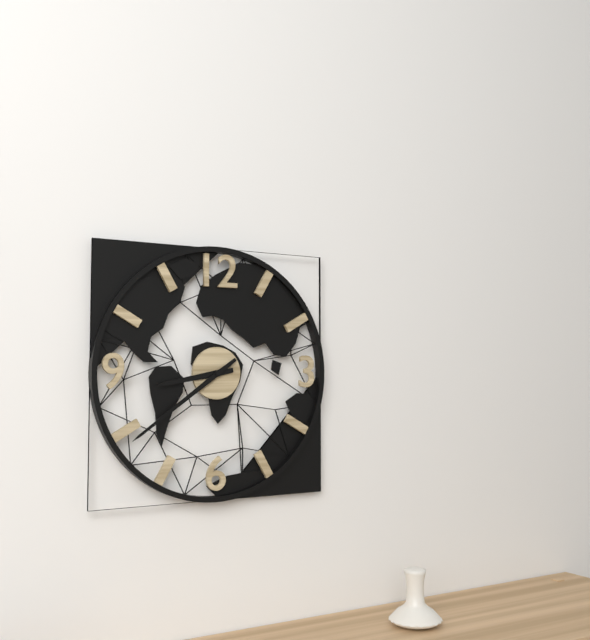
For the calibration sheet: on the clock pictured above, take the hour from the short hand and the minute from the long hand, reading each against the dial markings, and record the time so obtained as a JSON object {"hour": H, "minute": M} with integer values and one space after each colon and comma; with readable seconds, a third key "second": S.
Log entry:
{"hour": 8, "minute": 39}
